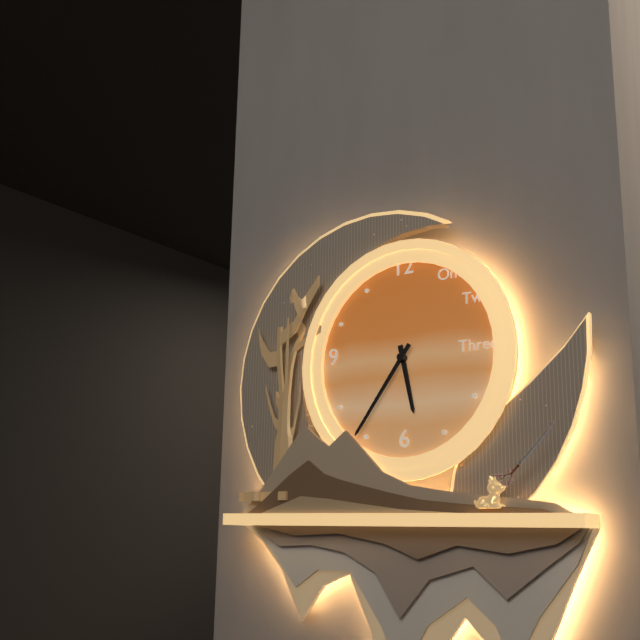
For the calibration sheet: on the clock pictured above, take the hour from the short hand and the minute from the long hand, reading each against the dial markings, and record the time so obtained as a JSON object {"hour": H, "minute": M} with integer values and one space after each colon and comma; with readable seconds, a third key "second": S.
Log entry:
{"hour": 5, "minute": 36}
